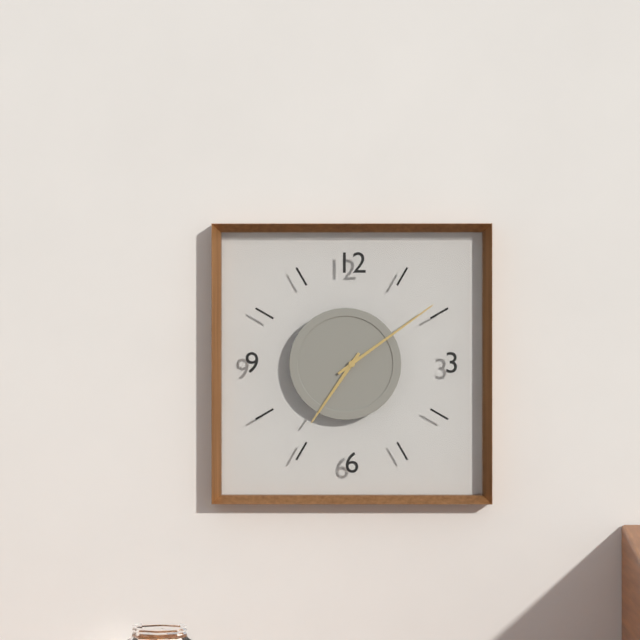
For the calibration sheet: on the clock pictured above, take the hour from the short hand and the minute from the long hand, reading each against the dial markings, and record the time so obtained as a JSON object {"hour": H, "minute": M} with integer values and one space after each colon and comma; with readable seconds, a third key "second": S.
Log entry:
{"hour": 7, "minute": 9}
